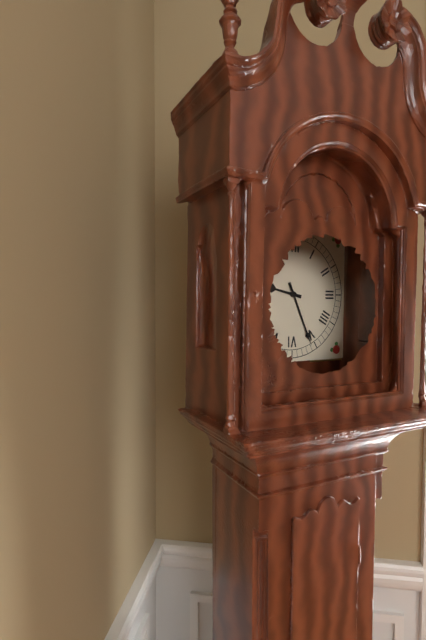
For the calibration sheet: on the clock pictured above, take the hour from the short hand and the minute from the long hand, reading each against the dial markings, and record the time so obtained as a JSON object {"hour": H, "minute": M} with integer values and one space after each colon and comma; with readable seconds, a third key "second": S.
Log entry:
{"hour": 9, "minute": 26}
